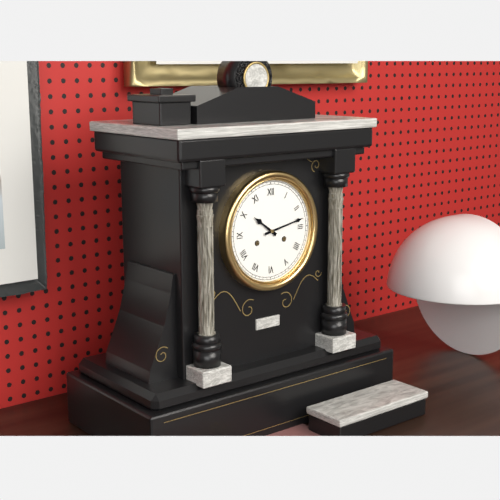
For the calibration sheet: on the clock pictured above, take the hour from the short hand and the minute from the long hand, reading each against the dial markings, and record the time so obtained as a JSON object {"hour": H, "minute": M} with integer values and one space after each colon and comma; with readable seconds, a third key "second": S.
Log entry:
{"hour": 10, "minute": 13}
